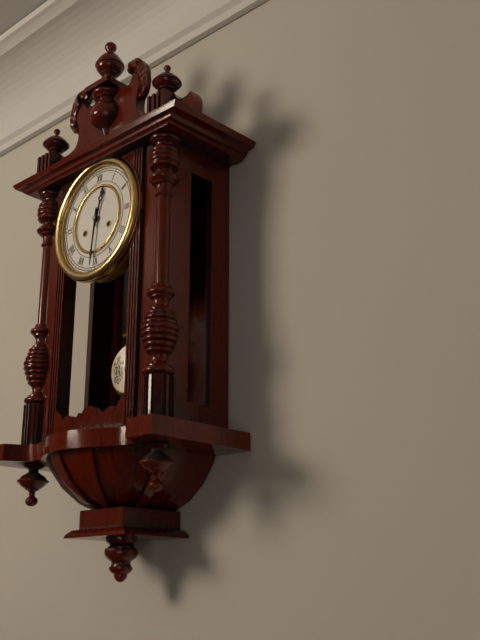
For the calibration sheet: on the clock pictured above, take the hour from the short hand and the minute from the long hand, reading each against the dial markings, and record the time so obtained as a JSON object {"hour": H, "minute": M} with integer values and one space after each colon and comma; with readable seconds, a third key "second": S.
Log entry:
{"hour": 12, "minute": 31}
